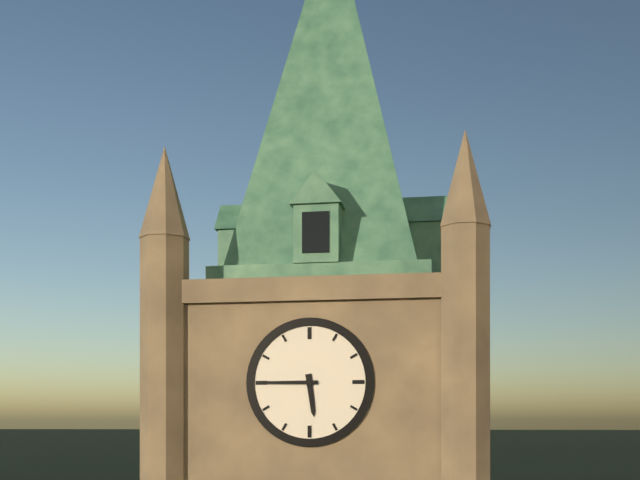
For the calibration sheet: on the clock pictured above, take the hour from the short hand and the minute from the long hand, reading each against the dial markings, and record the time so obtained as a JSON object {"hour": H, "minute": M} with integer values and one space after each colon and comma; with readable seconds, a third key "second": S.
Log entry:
{"hour": 5, "minute": 45}
